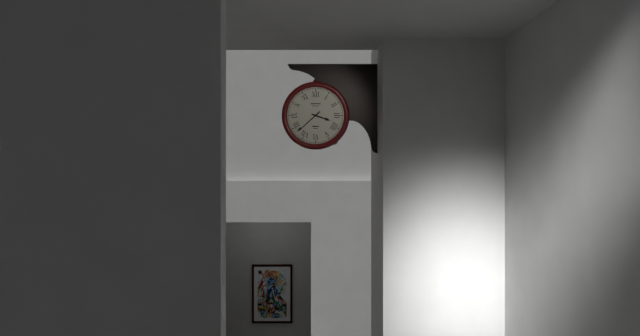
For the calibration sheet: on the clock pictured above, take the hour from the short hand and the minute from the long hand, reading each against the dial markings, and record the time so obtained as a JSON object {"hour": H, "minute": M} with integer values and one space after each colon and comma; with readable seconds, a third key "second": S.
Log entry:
{"hour": 3, "minute": 38}
